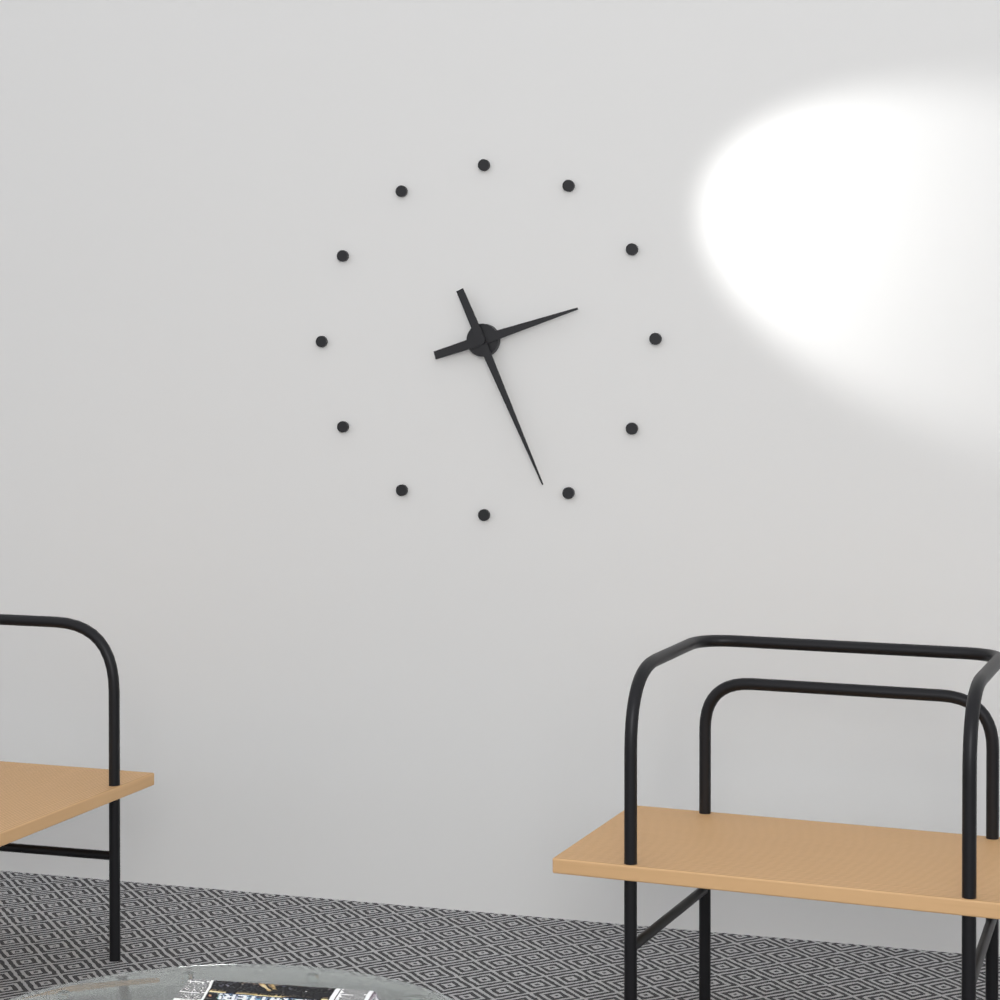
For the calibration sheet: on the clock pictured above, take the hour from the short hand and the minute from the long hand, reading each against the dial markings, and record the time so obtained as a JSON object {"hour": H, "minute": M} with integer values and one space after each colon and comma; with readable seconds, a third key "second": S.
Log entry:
{"hour": 2, "minute": 26}
